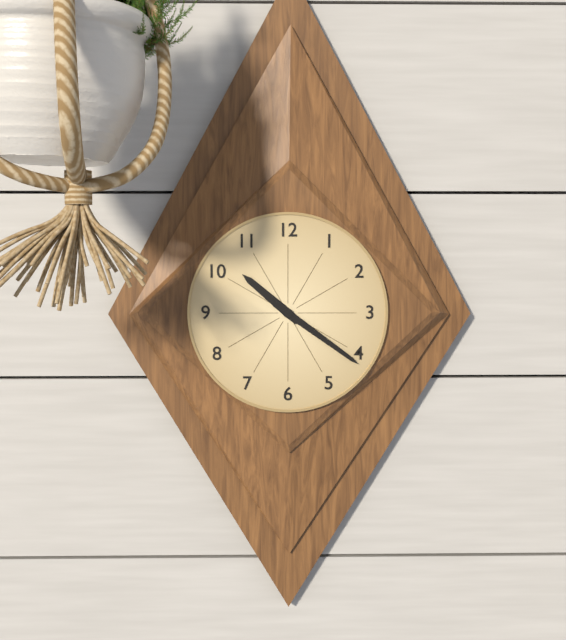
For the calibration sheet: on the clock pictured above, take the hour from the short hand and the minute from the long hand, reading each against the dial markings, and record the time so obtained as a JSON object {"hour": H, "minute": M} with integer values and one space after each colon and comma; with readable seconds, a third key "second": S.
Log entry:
{"hour": 10, "minute": 21}
